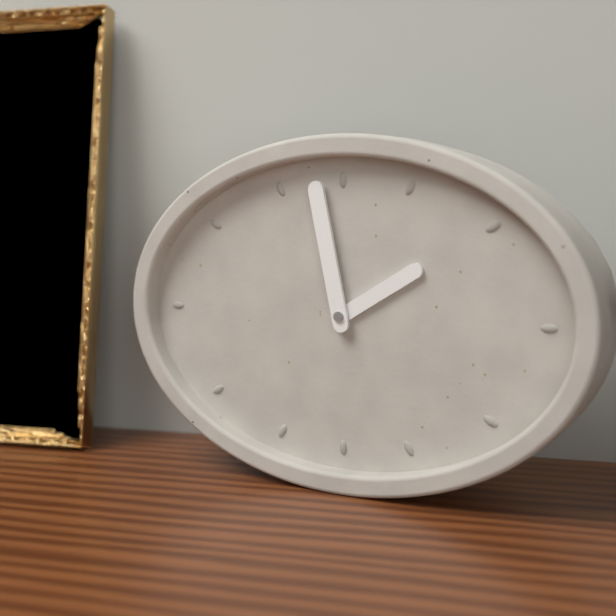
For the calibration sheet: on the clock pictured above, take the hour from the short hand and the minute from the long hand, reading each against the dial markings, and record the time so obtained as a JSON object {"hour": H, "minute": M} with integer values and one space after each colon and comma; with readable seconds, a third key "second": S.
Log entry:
{"hour": 1, "minute": 58}
